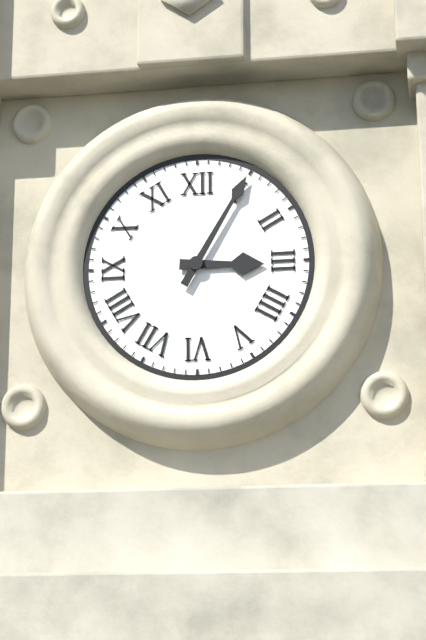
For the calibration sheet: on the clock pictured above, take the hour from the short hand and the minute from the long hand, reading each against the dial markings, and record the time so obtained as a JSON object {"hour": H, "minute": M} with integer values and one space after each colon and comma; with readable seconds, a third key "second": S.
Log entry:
{"hour": 3, "minute": 5}
